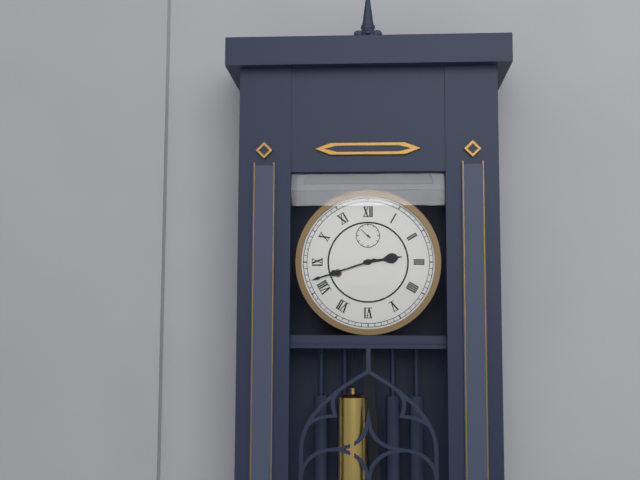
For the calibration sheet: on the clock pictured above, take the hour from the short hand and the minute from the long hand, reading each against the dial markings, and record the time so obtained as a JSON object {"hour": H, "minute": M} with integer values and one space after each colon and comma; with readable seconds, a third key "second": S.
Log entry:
{"hour": 2, "minute": 42}
